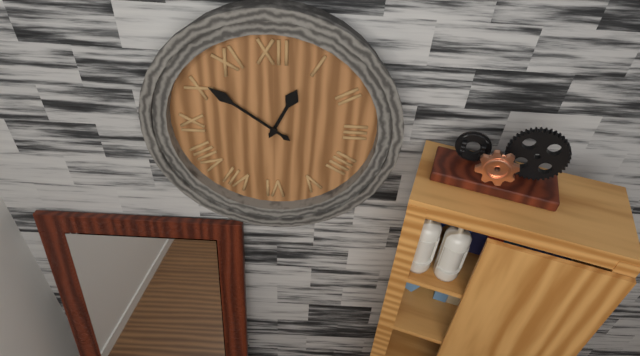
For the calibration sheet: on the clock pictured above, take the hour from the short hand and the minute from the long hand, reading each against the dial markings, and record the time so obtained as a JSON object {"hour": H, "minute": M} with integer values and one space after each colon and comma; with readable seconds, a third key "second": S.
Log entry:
{"hour": 12, "minute": 51}
